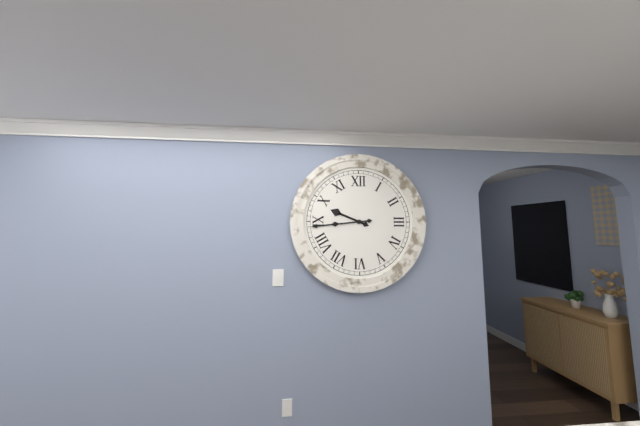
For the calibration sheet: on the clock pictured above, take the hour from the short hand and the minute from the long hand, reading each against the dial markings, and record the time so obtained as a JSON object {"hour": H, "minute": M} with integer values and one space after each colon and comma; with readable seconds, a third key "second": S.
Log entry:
{"hour": 9, "minute": 44}
